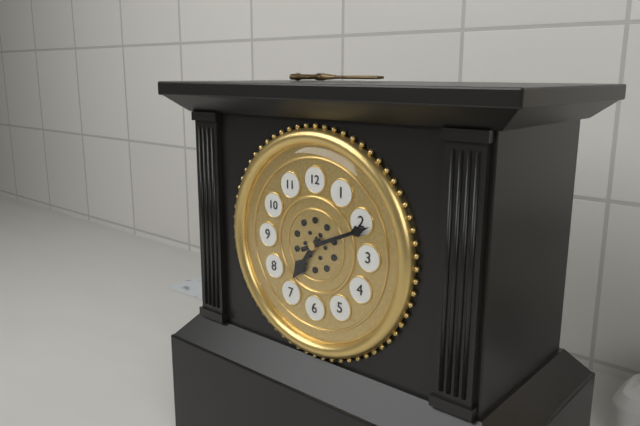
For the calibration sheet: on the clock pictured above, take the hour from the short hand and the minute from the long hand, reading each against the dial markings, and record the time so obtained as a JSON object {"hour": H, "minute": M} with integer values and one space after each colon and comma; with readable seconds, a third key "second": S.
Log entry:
{"hour": 7, "minute": 11}
